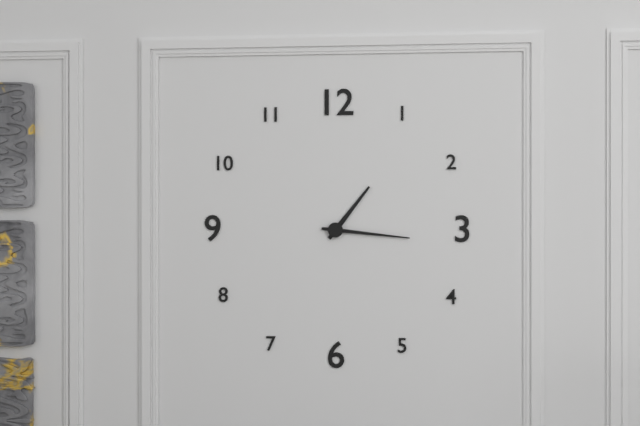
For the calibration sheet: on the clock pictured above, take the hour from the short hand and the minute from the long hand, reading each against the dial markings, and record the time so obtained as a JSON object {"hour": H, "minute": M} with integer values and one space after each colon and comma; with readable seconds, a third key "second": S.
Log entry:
{"hour": 1, "minute": 16}
